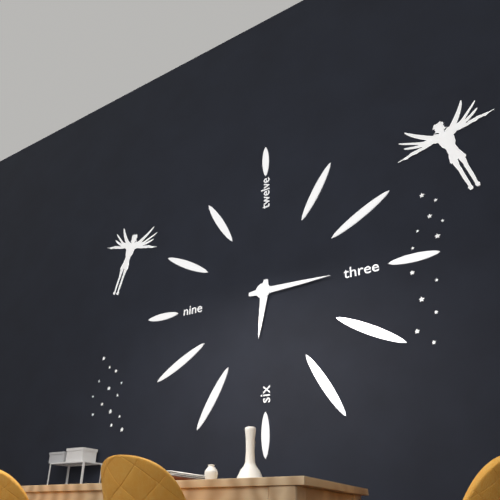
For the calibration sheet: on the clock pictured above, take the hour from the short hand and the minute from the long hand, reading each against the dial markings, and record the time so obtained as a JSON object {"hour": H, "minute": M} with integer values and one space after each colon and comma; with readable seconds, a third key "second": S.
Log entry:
{"hour": 6, "minute": 15}
